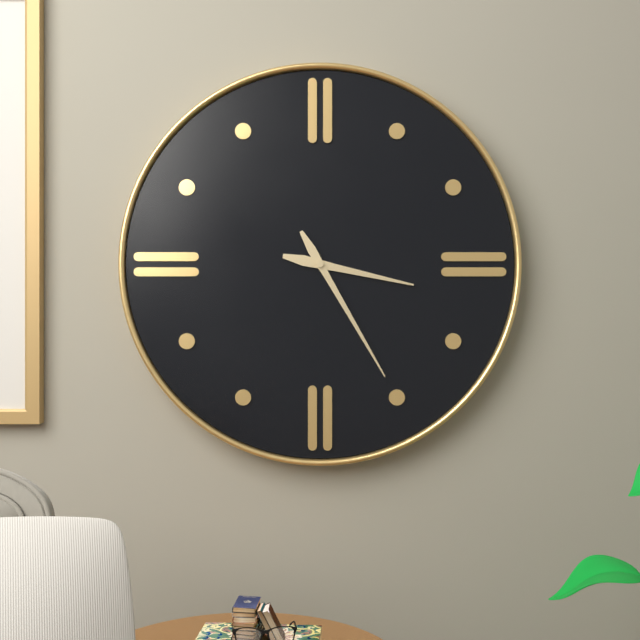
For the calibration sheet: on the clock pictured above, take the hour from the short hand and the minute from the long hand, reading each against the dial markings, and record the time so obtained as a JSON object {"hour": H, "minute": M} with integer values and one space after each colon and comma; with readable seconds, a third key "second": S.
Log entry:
{"hour": 3, "minute": 25}
